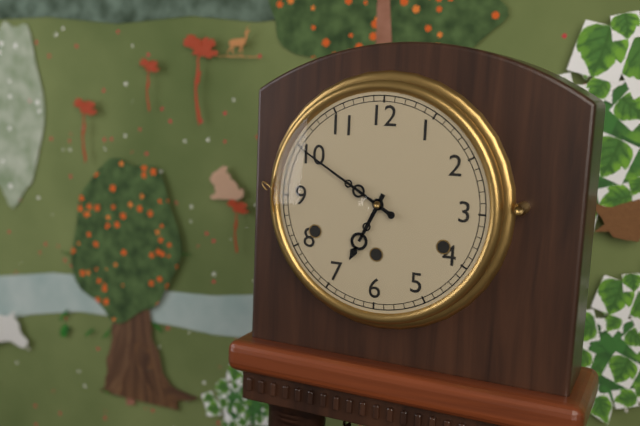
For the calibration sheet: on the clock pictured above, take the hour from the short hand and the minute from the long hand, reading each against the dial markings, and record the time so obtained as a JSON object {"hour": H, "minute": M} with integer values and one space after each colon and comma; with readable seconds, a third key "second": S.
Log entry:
{"hour": 6, "minute": 50}
